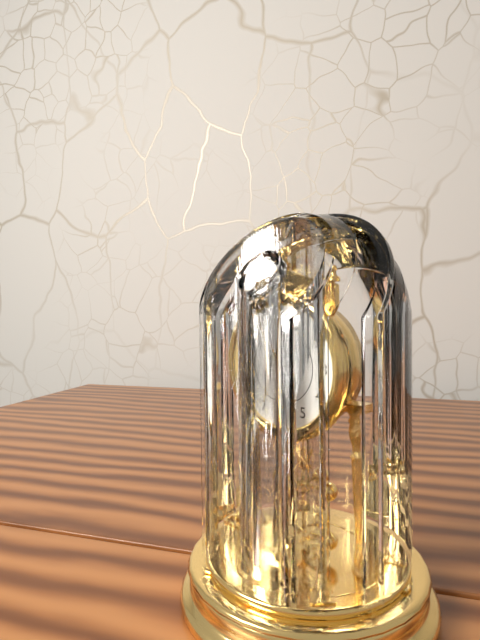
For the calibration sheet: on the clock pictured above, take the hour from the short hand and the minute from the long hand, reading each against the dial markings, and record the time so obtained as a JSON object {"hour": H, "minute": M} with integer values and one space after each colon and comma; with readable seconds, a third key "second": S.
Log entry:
{"hour": 4, "minute": 54}
